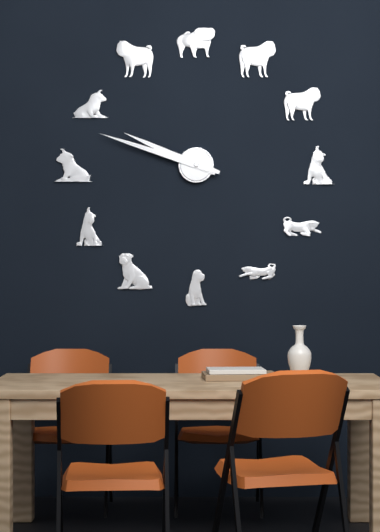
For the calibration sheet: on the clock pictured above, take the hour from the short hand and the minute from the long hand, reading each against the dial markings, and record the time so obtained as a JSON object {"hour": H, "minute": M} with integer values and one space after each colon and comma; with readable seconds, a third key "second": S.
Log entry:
{"hour": 9, "minute": 48}
